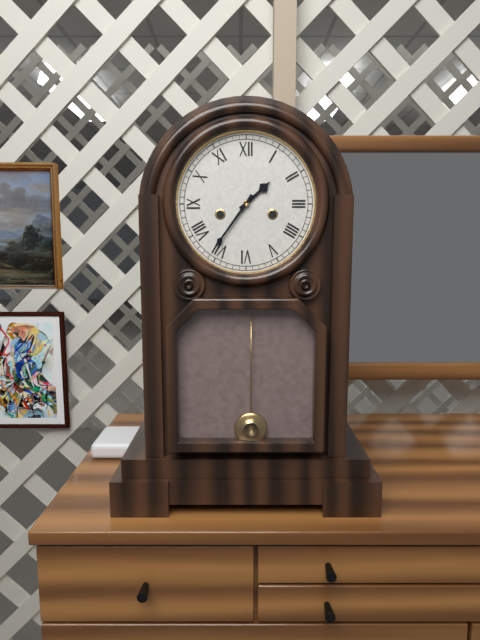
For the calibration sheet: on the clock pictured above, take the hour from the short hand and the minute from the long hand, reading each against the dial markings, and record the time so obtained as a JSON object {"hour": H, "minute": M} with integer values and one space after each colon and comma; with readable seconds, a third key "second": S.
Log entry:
{"hour": 1, "minute": 36}
